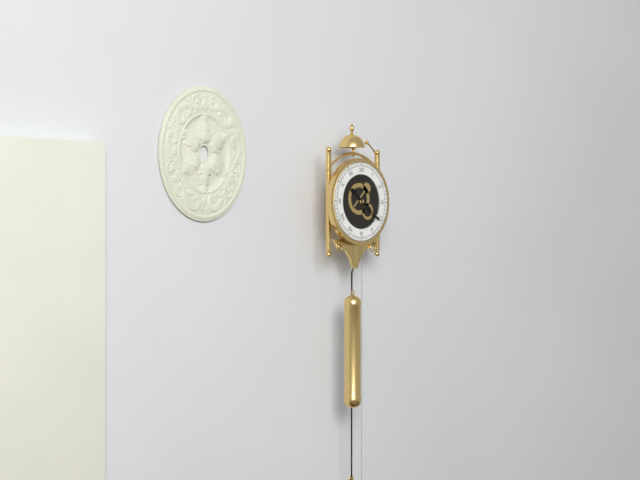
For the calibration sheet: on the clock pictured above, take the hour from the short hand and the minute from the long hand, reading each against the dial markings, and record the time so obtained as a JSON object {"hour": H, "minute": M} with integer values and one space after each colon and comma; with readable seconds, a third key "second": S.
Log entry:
{"hour": 10, "minute": 21}
